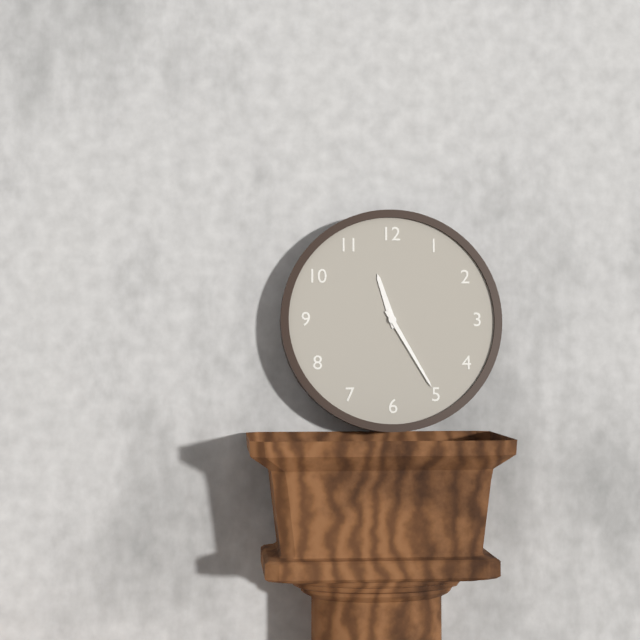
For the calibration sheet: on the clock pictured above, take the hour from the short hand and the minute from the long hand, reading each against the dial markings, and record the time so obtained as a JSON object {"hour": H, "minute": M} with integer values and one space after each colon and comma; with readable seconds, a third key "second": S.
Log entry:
{"hour": 11, "minute": 25}
